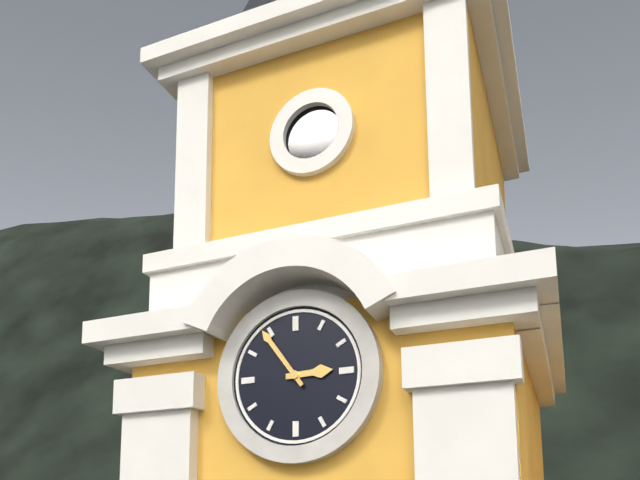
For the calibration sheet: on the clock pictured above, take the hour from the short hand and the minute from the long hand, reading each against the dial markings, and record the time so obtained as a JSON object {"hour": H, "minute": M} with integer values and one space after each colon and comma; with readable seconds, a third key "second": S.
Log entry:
{"hour": 2, "minute": 54}
